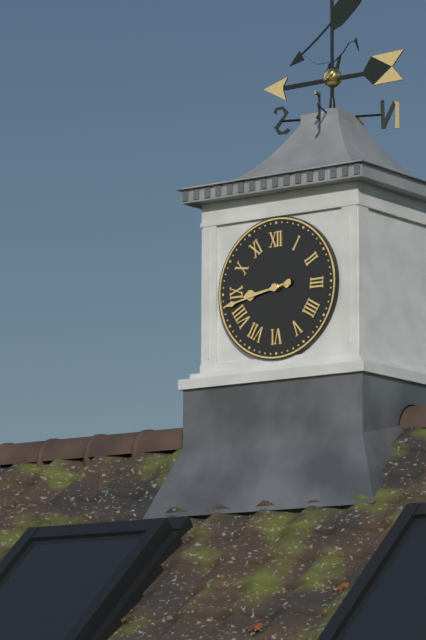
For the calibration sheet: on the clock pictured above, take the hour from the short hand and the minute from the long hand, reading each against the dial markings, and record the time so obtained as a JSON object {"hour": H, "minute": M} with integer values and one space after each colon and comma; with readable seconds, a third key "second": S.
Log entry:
{"hour": 8, "minute": 43}
